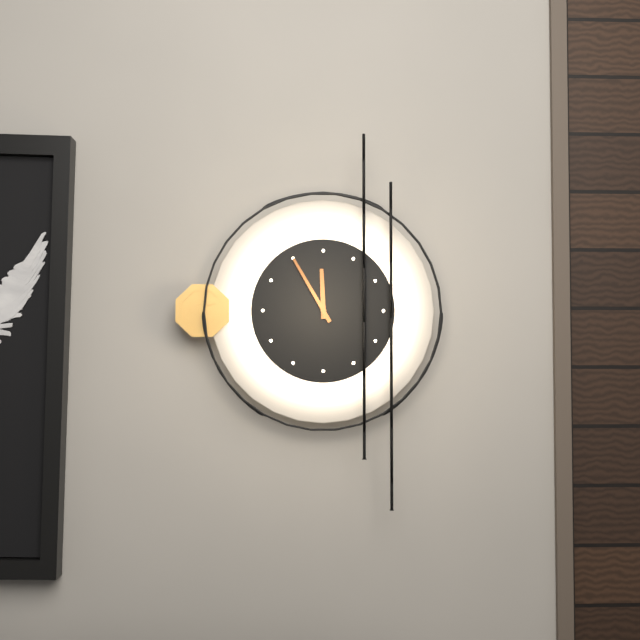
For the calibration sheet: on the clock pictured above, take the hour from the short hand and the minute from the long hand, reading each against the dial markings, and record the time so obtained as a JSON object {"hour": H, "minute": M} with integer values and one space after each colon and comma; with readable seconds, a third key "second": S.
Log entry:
{"hour": 11, "minute": 55}
